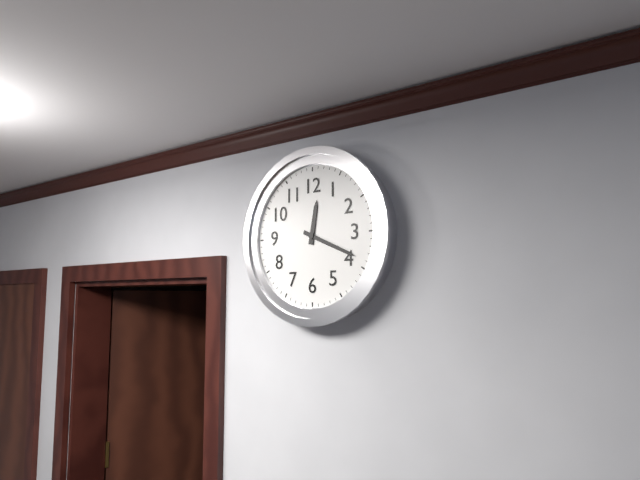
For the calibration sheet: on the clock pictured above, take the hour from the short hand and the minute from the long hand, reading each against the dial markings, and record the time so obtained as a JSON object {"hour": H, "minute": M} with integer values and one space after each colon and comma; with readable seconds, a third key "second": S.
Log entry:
{"hour": 12, "minute": 19}
